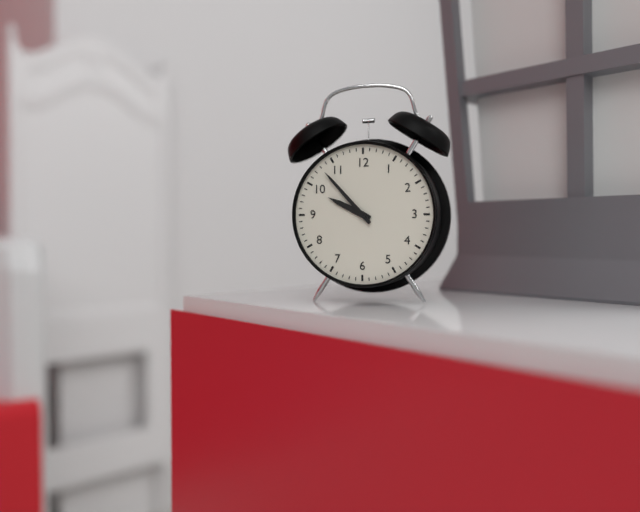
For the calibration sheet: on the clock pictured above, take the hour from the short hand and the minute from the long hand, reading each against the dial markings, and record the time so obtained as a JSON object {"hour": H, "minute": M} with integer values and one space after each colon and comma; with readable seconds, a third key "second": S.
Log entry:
{"hour": 9, "minute": 53}
